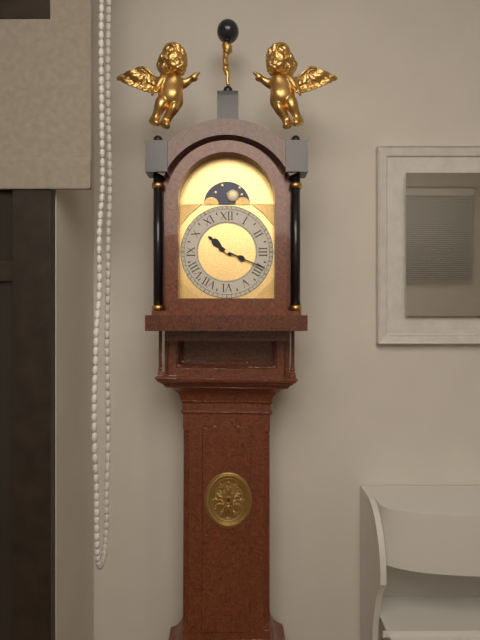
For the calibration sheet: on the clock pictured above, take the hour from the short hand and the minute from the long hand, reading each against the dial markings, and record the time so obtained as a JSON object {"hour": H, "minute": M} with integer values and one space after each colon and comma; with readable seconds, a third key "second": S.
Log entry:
{"hour": 10, "minute": 19}
